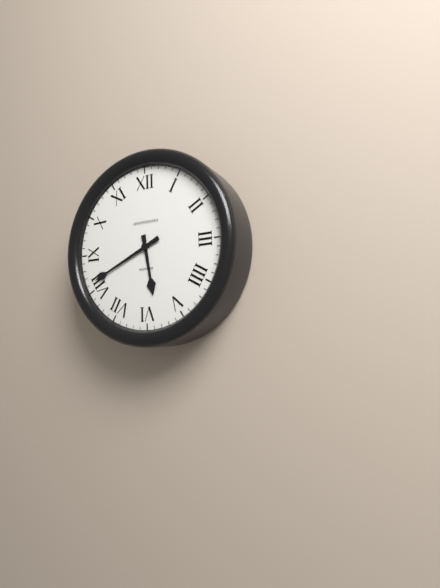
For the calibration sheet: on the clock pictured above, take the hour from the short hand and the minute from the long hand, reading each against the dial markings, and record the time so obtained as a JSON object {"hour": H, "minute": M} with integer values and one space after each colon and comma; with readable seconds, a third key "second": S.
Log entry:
{"hour": 5, "minute": 41}
